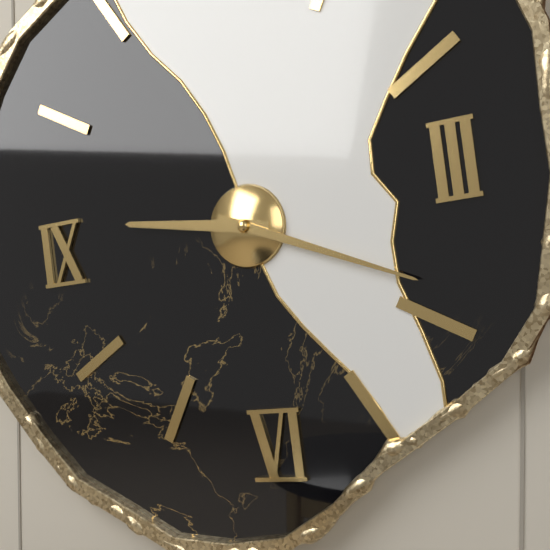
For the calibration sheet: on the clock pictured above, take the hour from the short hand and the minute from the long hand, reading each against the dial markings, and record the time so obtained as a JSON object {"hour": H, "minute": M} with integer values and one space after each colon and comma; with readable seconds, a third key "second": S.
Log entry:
{"hour": 9, "minute": 19}
